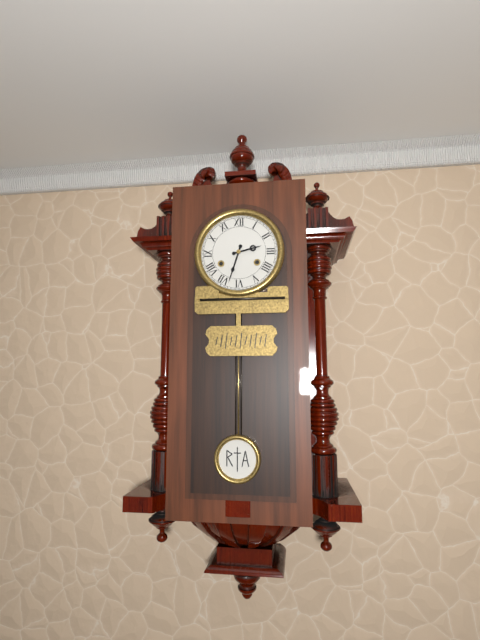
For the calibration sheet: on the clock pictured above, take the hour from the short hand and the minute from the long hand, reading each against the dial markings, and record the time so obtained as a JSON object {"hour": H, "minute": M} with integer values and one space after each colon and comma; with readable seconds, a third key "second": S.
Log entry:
{"hour": 2, "minute": 33}
